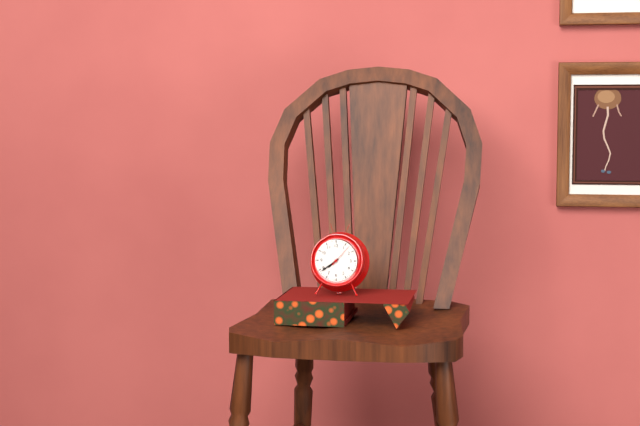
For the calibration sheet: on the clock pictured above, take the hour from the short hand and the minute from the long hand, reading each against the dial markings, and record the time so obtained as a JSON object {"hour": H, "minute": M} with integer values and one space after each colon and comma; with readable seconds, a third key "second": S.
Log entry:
{"hour": 7, "minute": 39}
